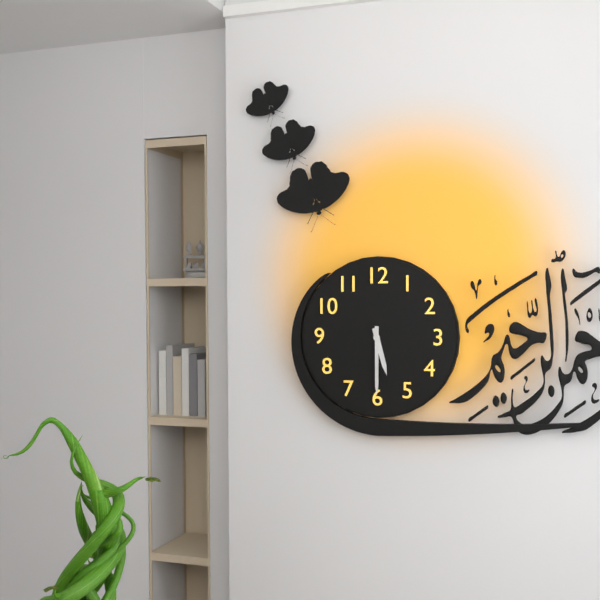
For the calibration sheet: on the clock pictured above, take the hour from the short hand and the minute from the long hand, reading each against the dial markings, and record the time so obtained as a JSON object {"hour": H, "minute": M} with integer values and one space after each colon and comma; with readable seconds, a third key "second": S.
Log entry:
{"hour": 5, "minute": 30}
